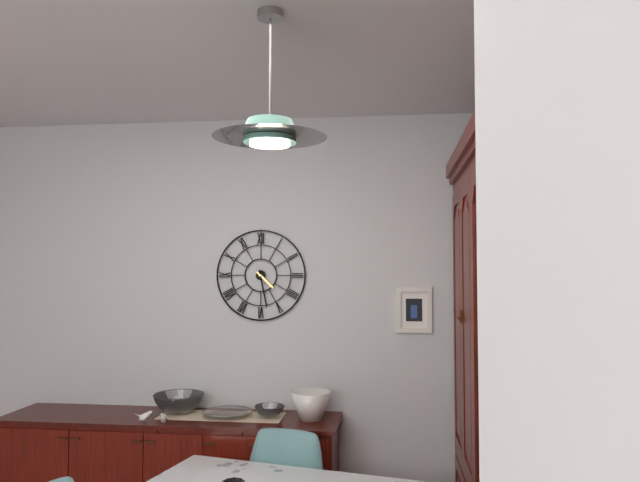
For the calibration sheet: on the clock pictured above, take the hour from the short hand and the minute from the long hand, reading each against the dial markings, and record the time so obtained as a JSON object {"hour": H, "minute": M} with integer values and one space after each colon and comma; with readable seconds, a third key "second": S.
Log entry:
{"hour": 4, "minute": 28}
